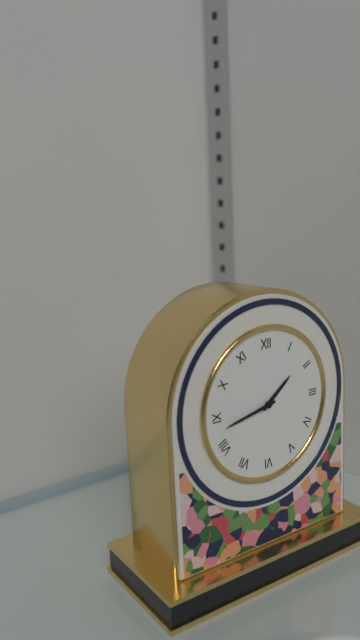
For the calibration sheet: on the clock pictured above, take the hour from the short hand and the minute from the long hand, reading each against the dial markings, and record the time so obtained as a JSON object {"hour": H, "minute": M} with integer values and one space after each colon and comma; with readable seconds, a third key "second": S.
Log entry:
{"hour": 1, "minute": 43}
